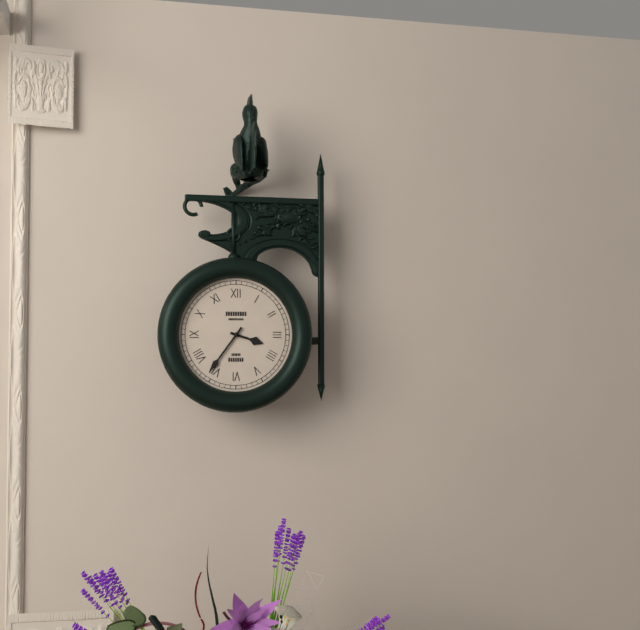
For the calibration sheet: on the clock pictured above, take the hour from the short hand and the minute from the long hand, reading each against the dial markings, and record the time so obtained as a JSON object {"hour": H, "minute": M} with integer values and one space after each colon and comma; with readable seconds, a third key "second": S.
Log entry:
{"hour": 3, "minute": 36}
